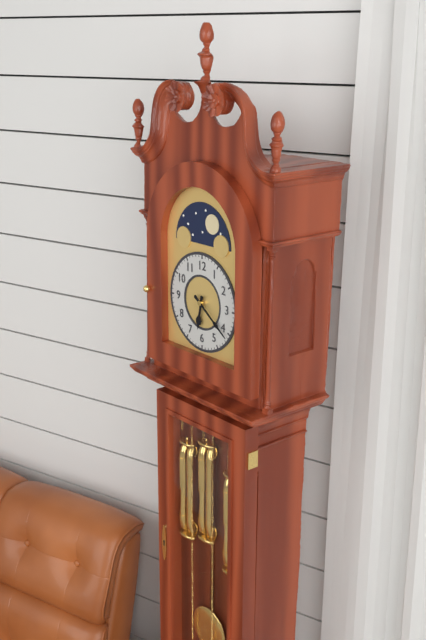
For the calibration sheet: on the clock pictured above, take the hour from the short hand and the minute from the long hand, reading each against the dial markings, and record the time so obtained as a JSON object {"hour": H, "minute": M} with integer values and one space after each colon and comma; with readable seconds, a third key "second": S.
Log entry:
{"hour": 6, "minute": 21}
